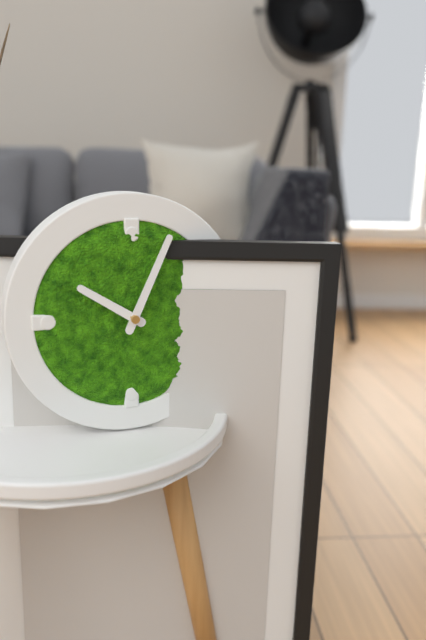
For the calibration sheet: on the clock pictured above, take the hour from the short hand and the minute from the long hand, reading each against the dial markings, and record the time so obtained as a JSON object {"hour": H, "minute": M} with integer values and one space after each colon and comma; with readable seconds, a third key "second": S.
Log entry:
{"hour": 10, "minute": 4}
